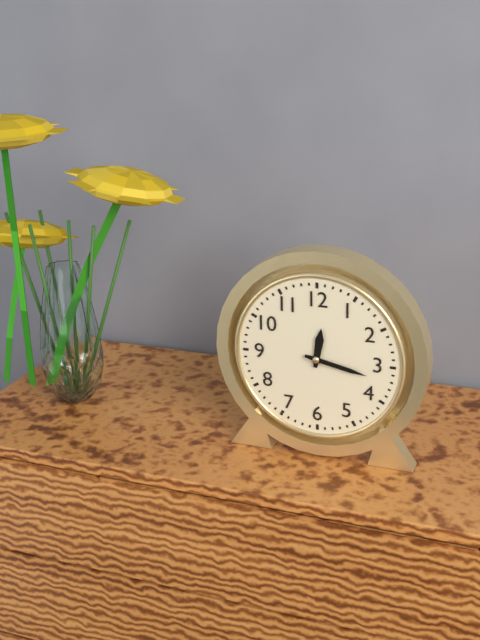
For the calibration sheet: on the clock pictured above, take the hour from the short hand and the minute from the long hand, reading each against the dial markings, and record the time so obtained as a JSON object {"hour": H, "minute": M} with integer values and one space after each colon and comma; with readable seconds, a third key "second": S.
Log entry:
{"hour": 12, "minute": 17}
